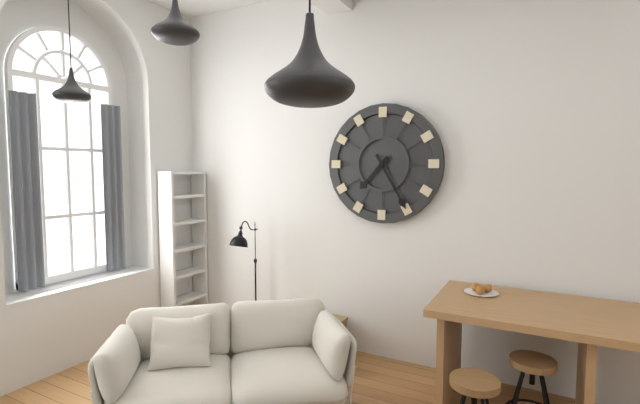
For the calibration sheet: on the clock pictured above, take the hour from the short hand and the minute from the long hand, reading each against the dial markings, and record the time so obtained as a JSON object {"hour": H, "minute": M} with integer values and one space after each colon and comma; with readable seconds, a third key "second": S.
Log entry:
{"hour": 7, "minute": 25}
